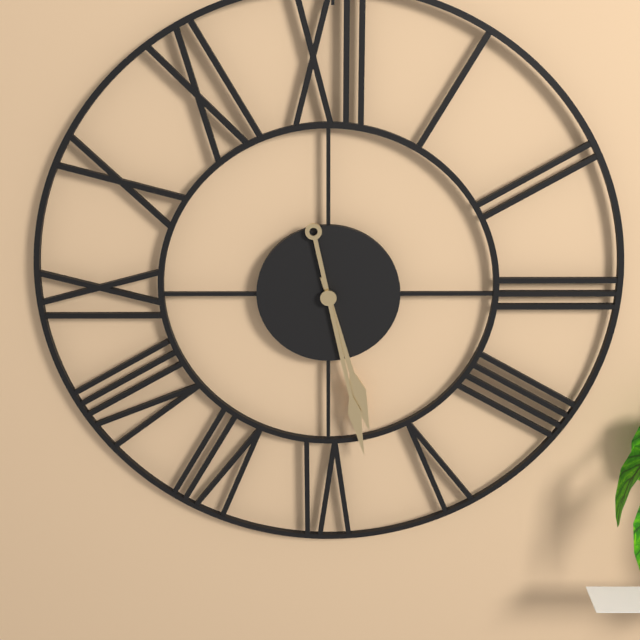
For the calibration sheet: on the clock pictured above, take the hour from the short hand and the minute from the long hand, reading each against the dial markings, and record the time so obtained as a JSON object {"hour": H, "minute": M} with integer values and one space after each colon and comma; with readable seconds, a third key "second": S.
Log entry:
{"hour": 5, "minute": 28}
